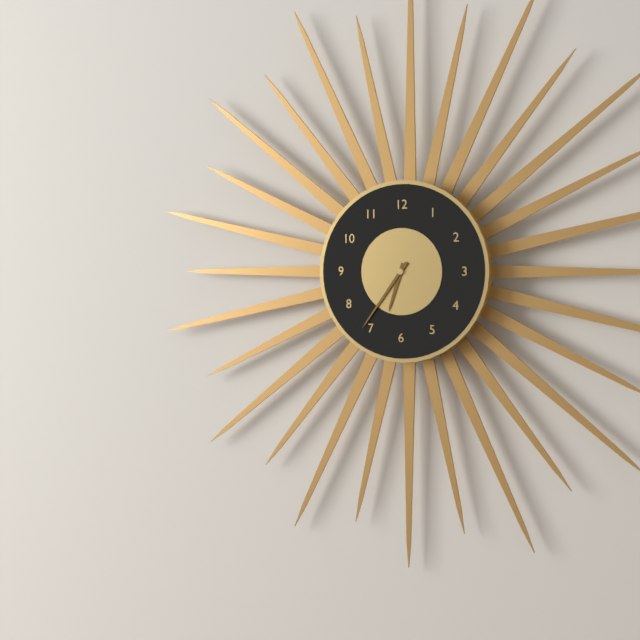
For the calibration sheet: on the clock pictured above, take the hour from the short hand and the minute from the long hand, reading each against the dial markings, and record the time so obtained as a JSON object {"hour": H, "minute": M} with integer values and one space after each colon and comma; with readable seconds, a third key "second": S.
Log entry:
{"hour": 6, "minute": 36}
